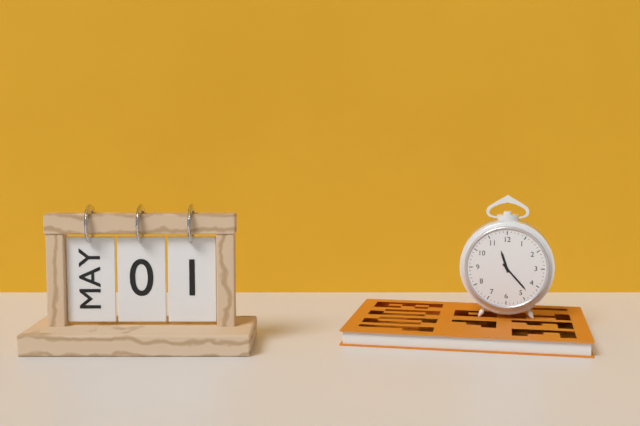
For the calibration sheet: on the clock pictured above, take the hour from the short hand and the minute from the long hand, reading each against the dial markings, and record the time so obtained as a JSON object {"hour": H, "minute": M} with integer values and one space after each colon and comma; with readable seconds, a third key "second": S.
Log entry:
{"hour": 11, "minute": 23}
